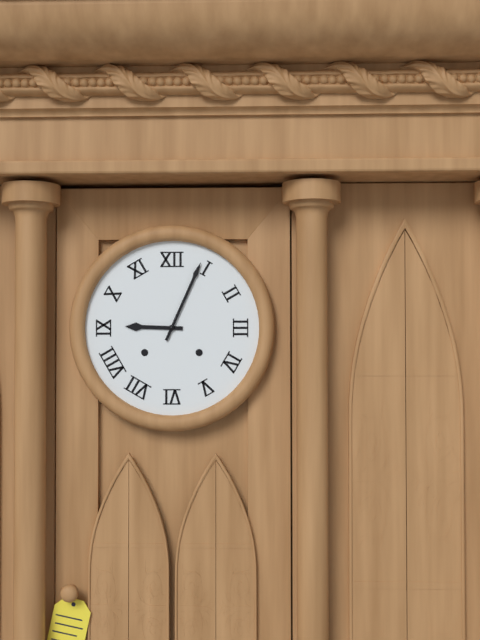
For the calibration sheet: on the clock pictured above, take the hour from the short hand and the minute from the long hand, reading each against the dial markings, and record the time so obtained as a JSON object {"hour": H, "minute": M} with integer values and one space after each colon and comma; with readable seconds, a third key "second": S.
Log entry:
{"hour": 9, "minute": 4}
